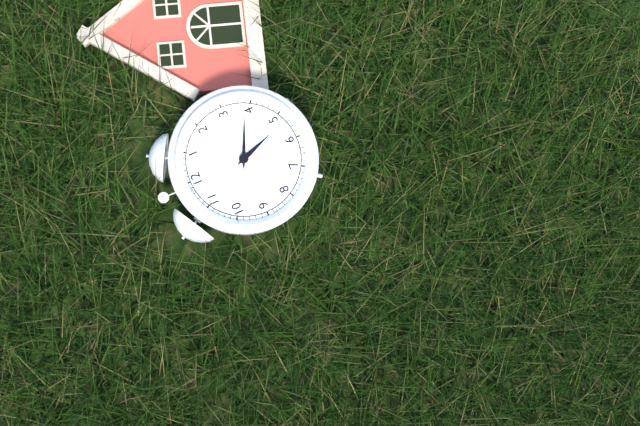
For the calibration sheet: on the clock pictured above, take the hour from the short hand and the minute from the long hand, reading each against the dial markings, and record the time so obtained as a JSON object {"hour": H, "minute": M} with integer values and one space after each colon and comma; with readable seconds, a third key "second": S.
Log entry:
{"hour": 5, "minute": 19}
